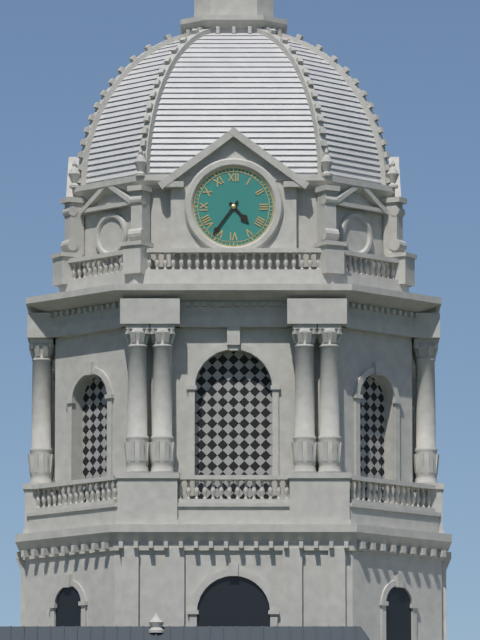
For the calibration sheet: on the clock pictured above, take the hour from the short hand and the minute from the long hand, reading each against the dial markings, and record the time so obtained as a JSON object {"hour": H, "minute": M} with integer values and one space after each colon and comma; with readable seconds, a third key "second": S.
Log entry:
{"hour": 4, "minute": 36}
